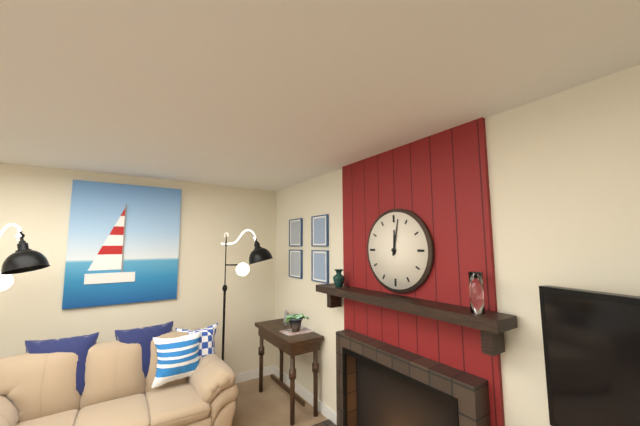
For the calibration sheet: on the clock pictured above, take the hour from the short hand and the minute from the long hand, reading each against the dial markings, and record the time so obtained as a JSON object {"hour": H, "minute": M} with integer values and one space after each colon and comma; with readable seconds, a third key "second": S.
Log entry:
{"hour": 12, "minute": 2}
